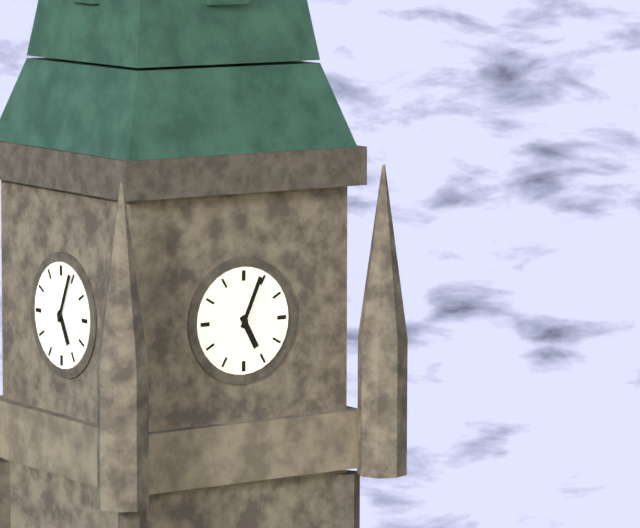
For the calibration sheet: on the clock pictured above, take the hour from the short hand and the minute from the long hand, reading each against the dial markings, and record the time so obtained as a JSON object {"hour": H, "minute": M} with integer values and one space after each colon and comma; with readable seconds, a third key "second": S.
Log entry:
{"hour": 5, "minute": 4}
